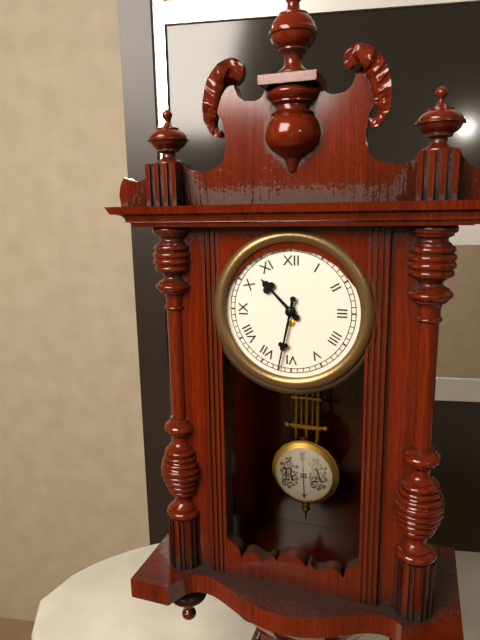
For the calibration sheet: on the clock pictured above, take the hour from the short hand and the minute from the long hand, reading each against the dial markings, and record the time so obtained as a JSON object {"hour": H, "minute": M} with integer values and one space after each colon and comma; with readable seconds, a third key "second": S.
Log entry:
{"hour": 10, "minute": 32}
